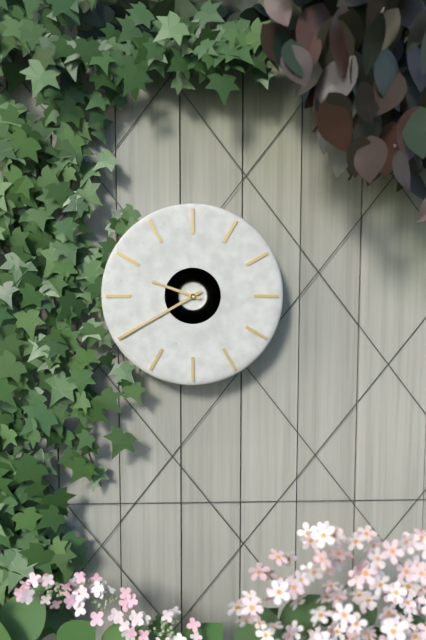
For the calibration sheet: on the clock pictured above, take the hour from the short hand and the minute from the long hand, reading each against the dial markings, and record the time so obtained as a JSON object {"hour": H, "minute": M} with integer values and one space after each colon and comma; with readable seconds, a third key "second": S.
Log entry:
{"hour": 9, "minute": 40}
